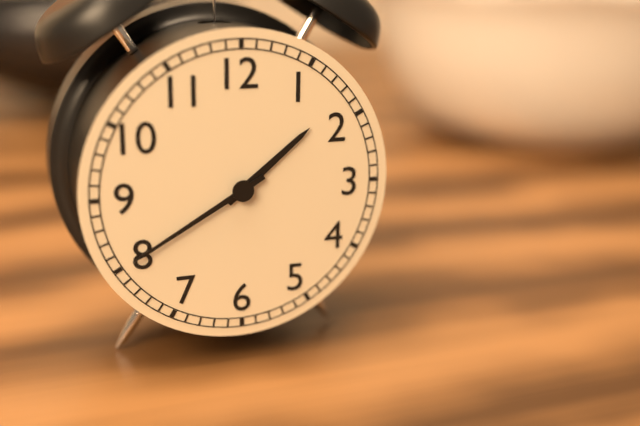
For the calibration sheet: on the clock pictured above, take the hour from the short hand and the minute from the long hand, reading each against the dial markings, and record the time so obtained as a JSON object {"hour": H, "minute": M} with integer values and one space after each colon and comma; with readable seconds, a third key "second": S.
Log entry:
{"hour": 1, "minute": 40}
